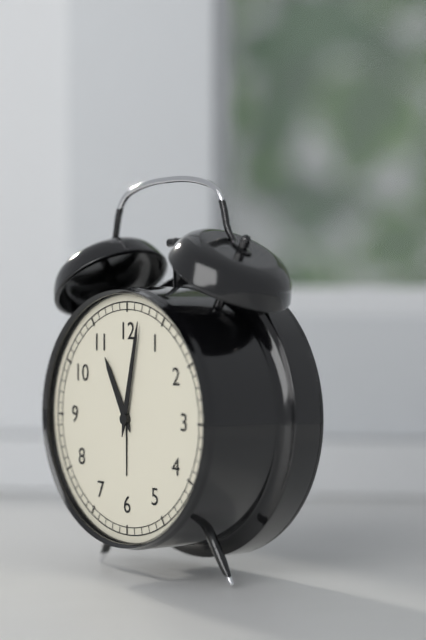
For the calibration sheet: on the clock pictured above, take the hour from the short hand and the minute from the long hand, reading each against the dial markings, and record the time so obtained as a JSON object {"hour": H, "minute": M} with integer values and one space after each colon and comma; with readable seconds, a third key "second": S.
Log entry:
{"hour": 11, "minute": 2}
